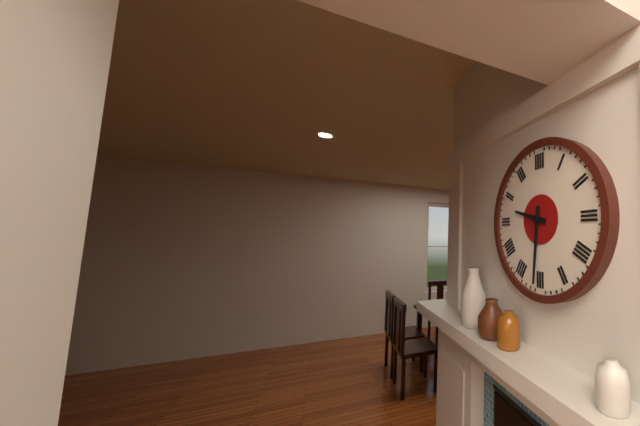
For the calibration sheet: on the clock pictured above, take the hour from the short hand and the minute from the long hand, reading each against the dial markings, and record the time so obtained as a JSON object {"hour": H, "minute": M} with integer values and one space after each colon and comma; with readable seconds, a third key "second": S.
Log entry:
{"hour": 9, "minute": 31}
